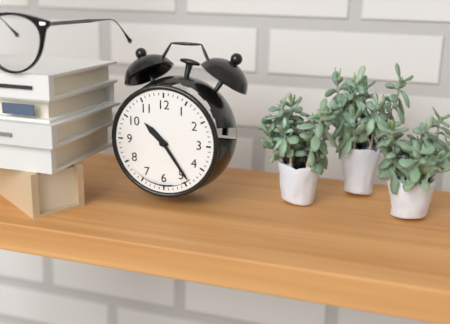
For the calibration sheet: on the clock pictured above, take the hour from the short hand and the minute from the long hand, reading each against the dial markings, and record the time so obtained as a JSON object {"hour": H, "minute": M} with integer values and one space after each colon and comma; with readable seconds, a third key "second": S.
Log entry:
{"hour": 10, "minute": 24}
